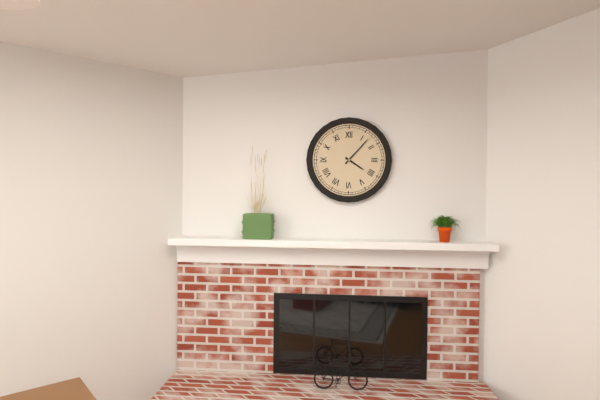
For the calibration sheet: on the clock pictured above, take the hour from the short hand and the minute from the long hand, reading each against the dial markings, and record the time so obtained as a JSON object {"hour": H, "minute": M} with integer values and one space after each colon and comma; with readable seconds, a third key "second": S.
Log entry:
{"hour": 4, "minute": 7}
